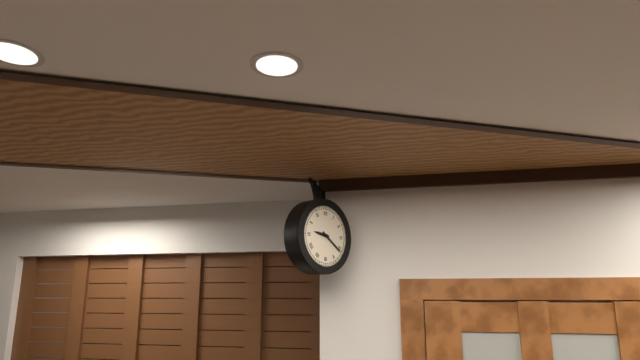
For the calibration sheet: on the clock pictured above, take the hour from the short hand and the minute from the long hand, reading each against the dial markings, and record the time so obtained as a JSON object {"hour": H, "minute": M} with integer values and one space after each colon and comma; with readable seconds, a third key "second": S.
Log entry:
{"hour": 9, "minute": 21}
